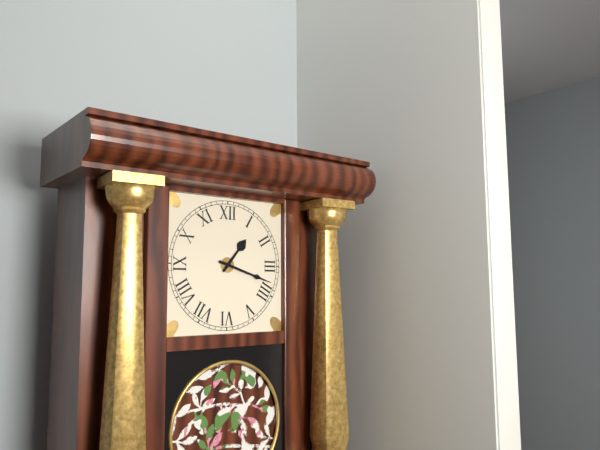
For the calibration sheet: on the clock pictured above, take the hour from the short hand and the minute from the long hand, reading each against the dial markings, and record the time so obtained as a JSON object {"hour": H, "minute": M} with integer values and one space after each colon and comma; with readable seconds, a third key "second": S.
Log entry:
{"hour": 1, "minute": 18}
